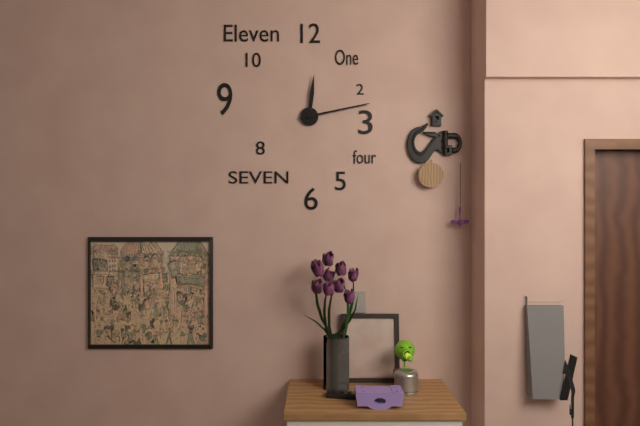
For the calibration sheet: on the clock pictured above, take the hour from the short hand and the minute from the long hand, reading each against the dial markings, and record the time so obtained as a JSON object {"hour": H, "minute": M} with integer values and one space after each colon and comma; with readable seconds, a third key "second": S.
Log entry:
{"hour": 12, "minute": 13}
